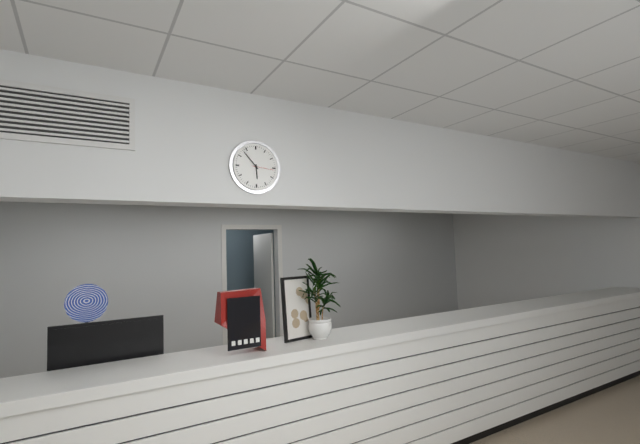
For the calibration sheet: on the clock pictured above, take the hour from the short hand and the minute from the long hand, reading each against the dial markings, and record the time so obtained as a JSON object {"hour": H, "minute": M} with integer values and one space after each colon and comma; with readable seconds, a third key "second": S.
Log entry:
{"hour": 5, "minute": 53}
